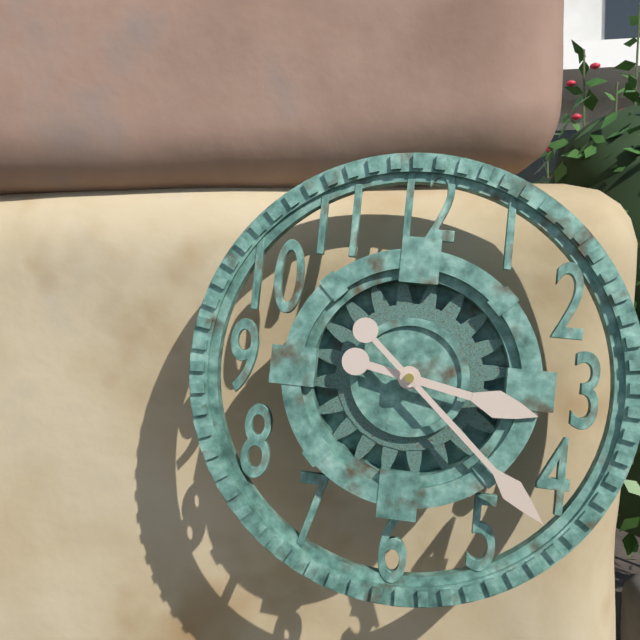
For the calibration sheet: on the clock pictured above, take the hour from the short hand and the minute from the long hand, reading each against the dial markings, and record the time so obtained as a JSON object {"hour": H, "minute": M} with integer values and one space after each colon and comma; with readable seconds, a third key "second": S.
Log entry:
{"hour": 3, "minute": 22}
